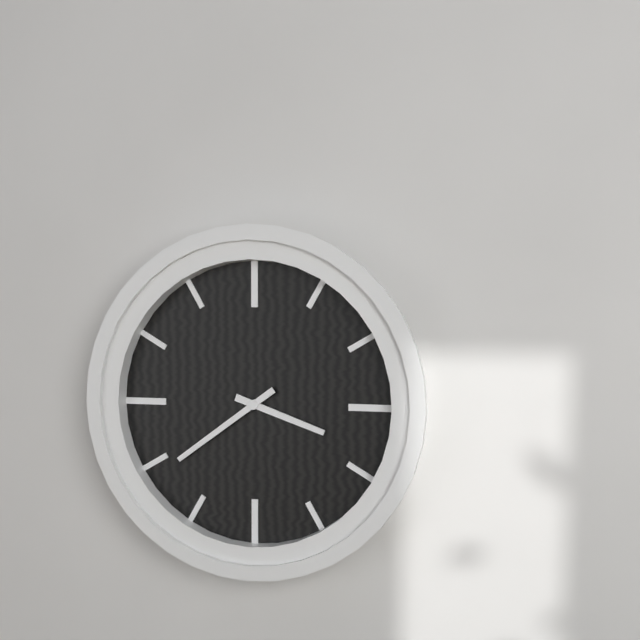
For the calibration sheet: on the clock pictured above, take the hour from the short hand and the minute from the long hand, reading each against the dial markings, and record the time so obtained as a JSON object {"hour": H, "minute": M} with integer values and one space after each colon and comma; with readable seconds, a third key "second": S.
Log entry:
{"hour": 3, "minute": 39}
